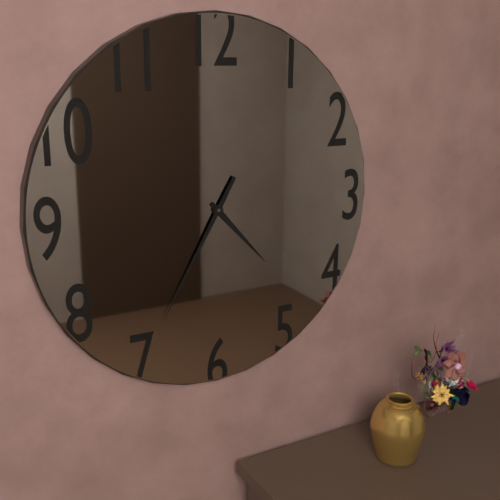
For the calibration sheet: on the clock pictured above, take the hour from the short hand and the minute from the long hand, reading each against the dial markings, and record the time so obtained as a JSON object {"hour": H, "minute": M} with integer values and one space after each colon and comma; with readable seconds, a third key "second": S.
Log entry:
{"hour": 4, "minute": 35}
